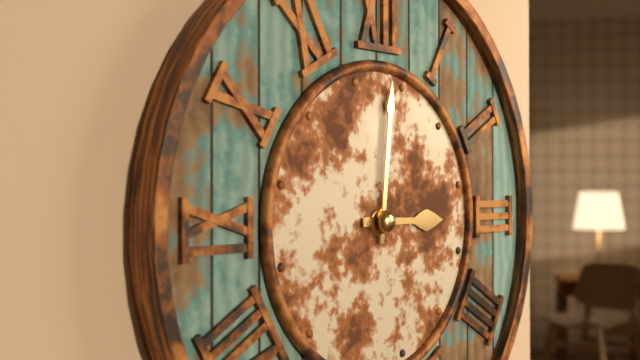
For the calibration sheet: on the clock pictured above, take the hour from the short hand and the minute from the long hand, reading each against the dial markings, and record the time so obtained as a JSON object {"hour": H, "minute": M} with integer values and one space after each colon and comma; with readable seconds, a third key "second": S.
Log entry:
{"hour": 3, "minute": 1}
